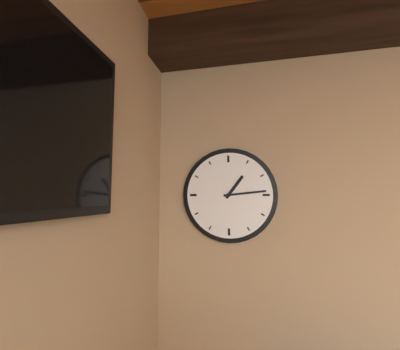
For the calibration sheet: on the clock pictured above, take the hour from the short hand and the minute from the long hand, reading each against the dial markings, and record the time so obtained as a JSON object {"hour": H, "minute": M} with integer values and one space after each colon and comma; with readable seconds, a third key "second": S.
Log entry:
{"hour": 1, "minute": 14}
